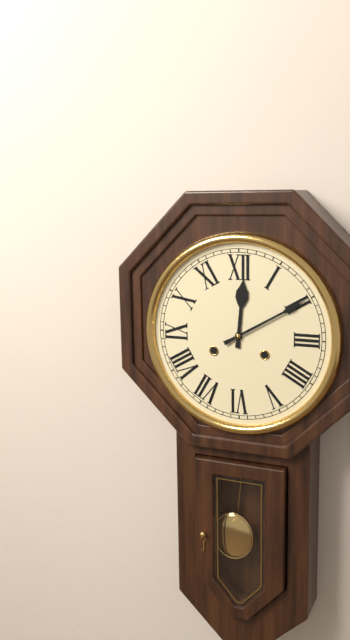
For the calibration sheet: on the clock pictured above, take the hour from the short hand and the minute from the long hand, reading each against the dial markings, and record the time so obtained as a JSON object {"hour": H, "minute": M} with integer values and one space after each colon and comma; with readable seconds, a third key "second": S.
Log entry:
{"hour": 12, "minute": 10}
